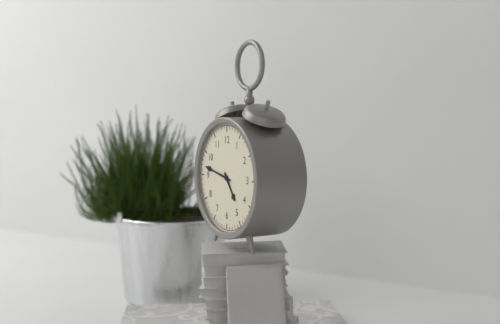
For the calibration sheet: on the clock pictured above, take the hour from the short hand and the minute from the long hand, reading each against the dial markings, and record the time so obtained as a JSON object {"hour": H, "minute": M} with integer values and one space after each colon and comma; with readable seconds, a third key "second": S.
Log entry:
{"hour": 4, "minute": 47}
